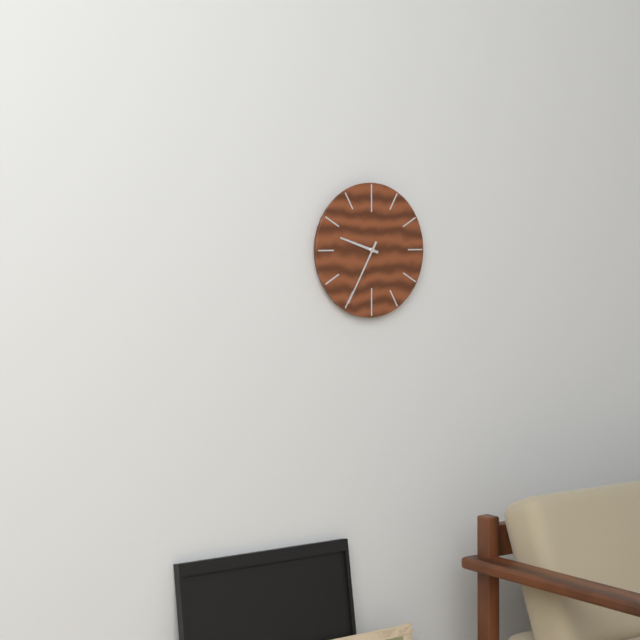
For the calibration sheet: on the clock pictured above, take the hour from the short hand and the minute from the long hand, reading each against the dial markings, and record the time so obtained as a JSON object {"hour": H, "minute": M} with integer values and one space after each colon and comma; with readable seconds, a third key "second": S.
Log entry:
{"hour": 9, "minute": 35}
